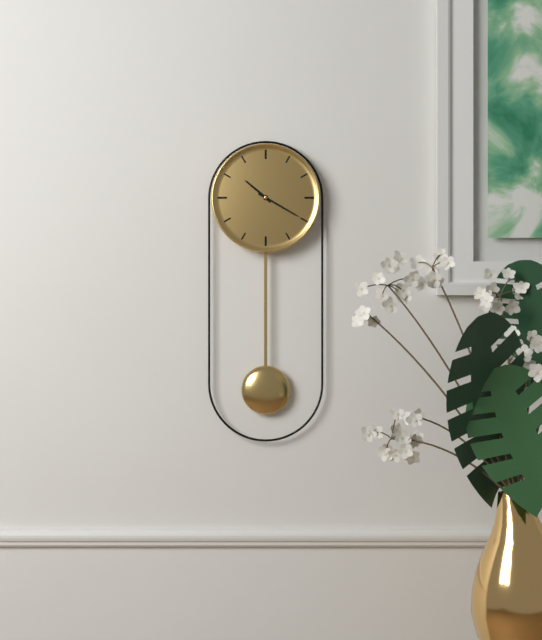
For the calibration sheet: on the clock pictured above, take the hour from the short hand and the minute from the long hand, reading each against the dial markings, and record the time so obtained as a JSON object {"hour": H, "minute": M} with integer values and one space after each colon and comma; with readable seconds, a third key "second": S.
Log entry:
{"hour": 10, "minute": 20}
